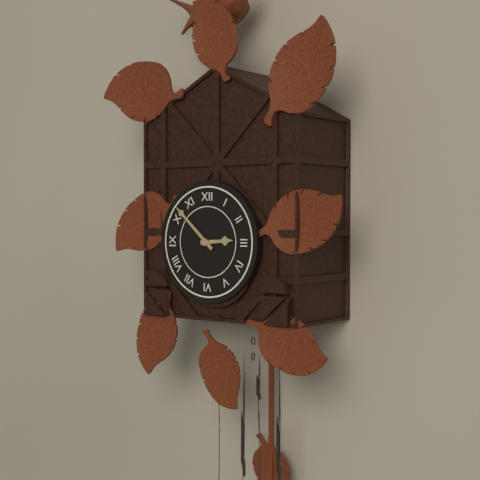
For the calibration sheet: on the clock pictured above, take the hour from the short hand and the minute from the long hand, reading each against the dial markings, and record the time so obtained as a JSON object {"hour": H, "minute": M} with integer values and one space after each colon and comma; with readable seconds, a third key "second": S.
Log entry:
{"hour": 2, "minute": 52}
